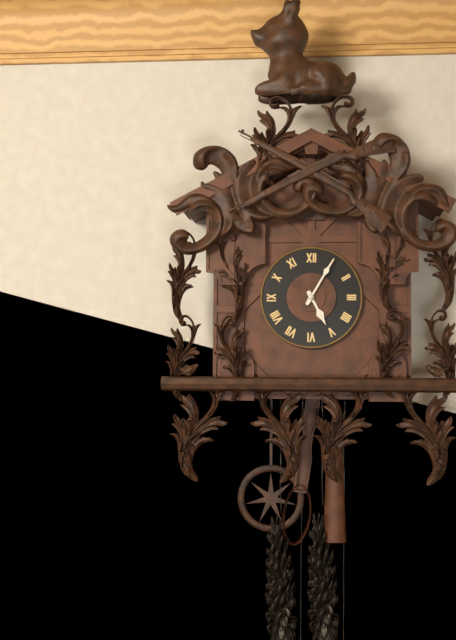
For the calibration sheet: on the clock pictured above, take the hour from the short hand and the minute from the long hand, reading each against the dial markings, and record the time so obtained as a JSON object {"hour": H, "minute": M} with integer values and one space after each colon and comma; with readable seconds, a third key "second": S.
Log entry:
{"hour": 5, "minute": 5}
